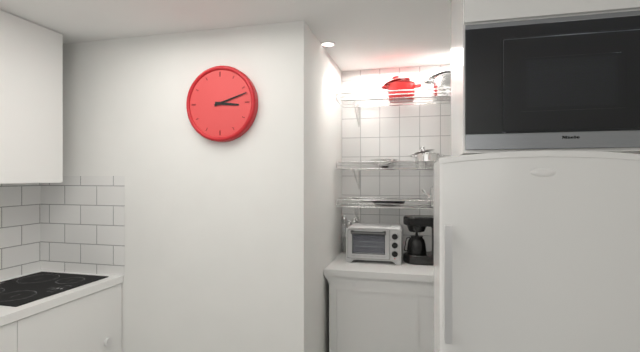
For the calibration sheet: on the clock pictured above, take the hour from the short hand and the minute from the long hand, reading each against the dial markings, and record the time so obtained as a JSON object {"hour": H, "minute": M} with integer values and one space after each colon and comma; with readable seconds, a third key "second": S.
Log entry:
{"hour": 3, "minute": 12}
